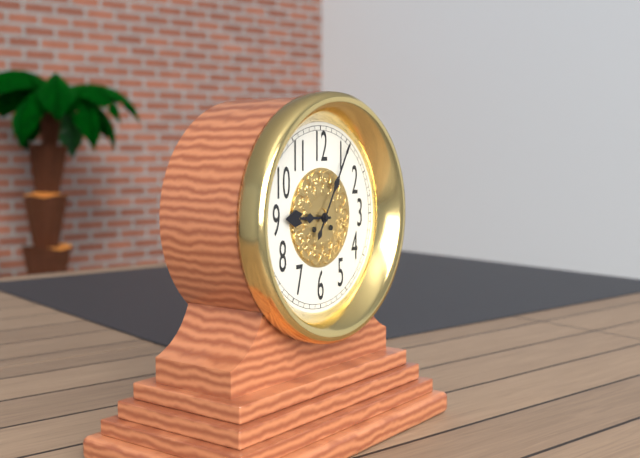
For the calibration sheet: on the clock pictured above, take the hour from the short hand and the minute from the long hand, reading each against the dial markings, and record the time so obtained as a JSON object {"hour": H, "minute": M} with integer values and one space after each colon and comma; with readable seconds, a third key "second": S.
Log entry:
{"hour": 9, "minute": 5}
